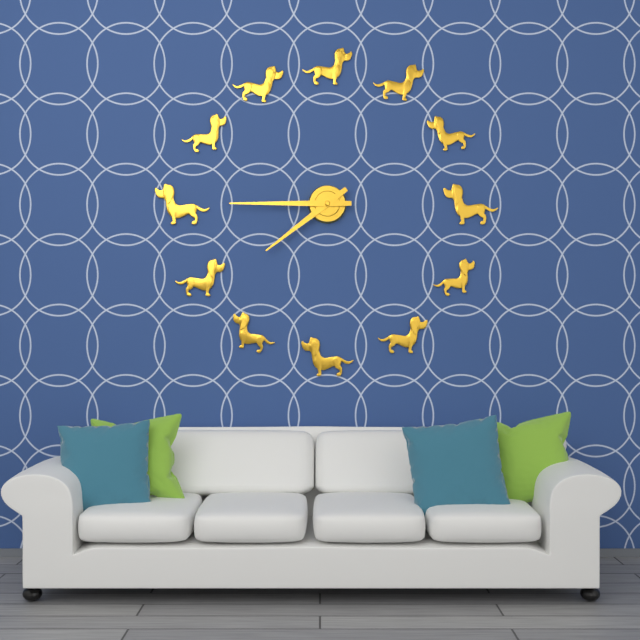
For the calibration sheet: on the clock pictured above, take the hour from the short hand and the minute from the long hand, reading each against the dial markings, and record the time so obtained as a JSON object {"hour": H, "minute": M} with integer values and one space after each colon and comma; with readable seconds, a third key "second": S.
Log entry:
{"hour": 7, "minute": 45}
